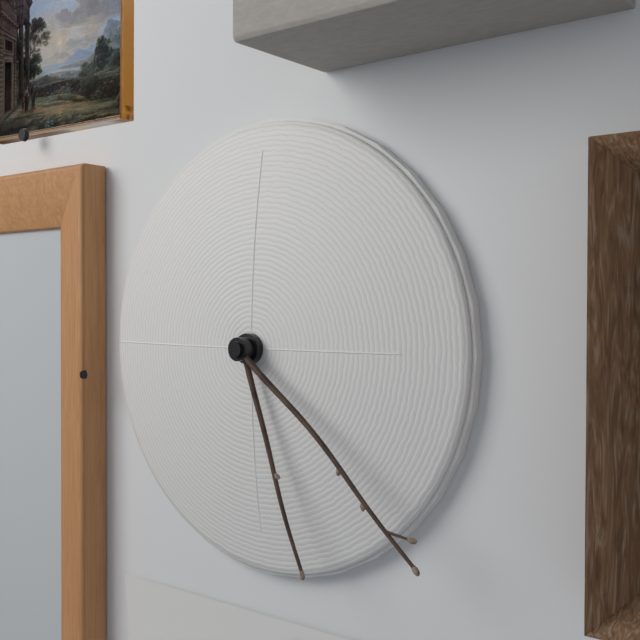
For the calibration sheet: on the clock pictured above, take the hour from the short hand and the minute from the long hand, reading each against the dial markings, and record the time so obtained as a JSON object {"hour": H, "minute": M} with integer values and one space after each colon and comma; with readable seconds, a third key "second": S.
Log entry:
{"hour": 5, "minute": 22}
